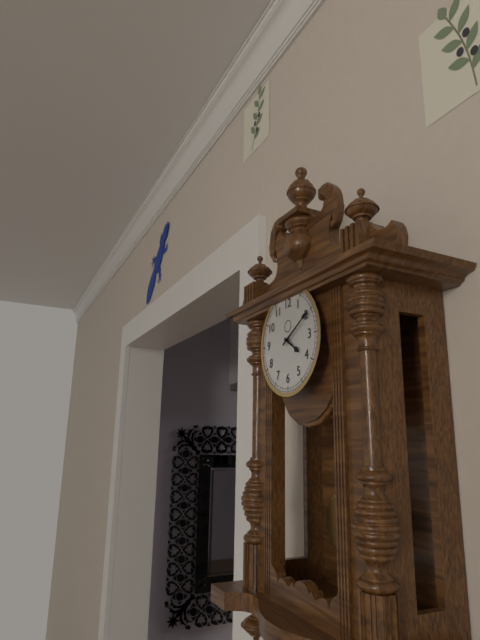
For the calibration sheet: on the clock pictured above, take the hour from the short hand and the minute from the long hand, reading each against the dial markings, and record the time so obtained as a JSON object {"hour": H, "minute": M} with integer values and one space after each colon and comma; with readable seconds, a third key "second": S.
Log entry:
{"hour": 4, "minute": 10}
